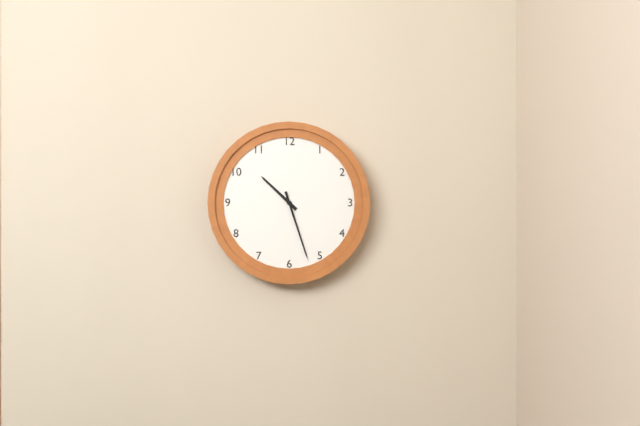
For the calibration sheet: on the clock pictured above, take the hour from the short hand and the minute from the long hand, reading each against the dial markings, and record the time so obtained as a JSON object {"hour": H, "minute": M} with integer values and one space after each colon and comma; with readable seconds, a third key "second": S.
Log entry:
{"hour": 10, "minute": 27}
